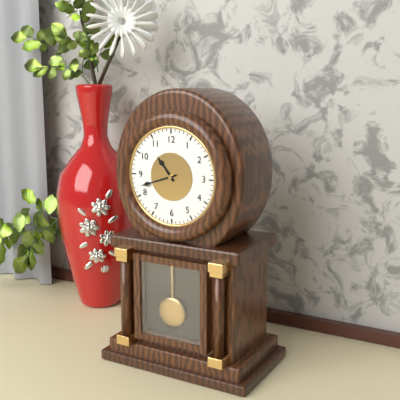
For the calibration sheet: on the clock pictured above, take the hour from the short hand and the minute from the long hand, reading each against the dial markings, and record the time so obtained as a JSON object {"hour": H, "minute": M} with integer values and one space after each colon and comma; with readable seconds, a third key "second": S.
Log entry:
{"hour": 10, "minute": 42}
